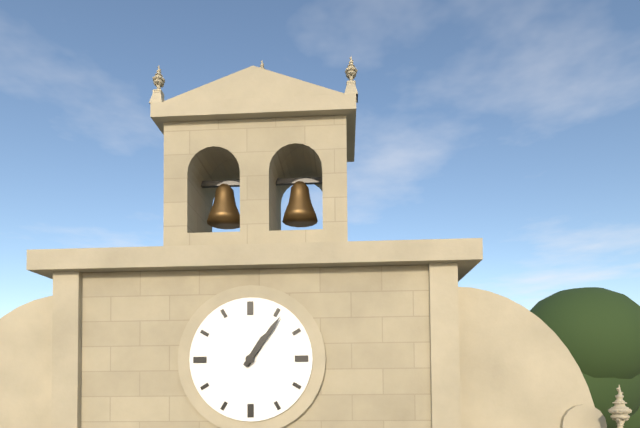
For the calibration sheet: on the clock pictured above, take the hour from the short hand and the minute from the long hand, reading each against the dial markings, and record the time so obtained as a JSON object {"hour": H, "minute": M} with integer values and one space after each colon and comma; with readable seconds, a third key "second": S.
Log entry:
{"hour": 1, "minute": 6}
